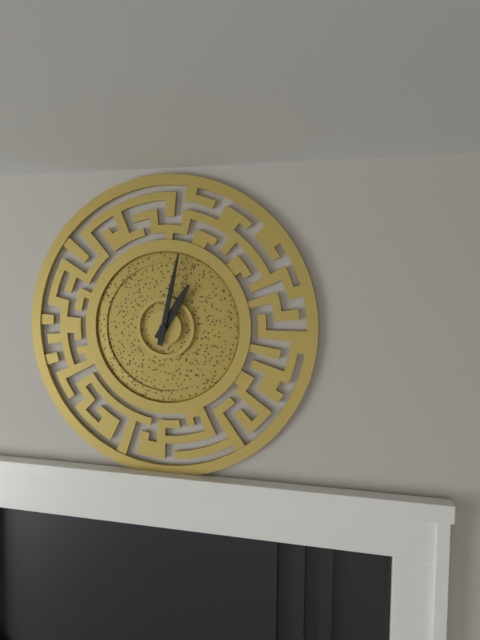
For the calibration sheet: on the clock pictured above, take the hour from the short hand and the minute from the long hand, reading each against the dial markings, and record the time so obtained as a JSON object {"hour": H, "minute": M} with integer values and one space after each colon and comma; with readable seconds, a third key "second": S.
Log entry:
{"hour": 1, "minute": 2}
